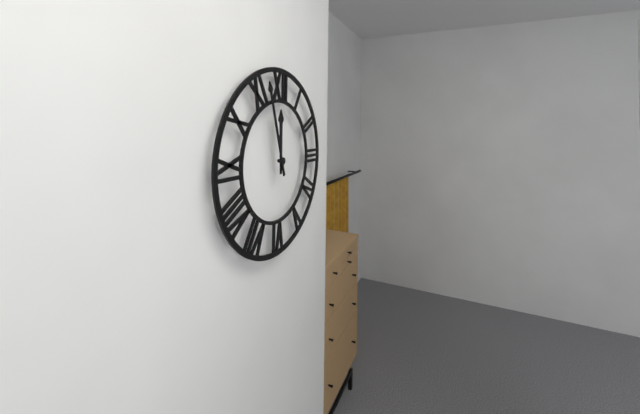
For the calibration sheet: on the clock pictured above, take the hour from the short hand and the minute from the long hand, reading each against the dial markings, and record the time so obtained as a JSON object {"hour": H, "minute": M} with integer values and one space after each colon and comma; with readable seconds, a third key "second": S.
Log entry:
{"hour": 11, "minute": 57}
